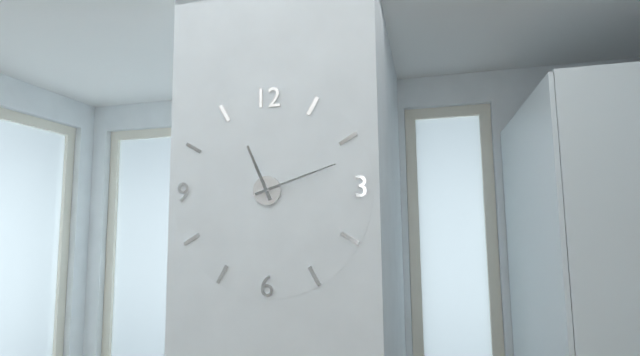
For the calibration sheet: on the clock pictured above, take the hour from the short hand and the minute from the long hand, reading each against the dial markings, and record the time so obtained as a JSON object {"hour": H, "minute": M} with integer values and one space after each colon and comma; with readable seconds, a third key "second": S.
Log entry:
{"hour": 11, "minute": 12}
